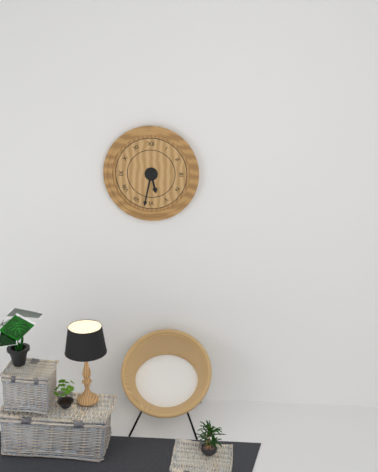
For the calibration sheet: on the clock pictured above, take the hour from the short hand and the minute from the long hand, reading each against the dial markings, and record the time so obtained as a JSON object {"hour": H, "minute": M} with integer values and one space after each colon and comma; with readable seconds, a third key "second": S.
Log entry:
{"hour": 5, "minute": 32}
